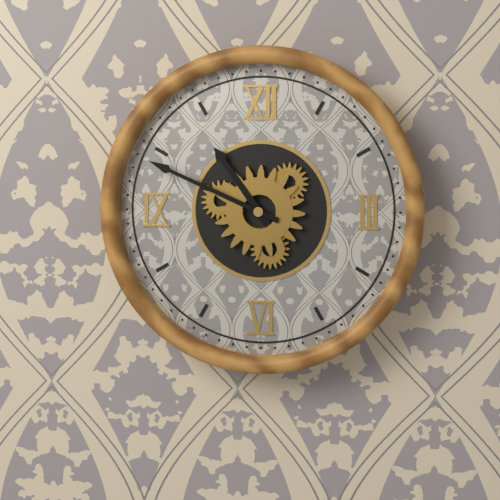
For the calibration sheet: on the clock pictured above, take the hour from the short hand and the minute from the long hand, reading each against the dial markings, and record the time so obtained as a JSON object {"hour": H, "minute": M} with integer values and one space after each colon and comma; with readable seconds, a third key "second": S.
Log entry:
{"hour": 10, "minute": 49}
